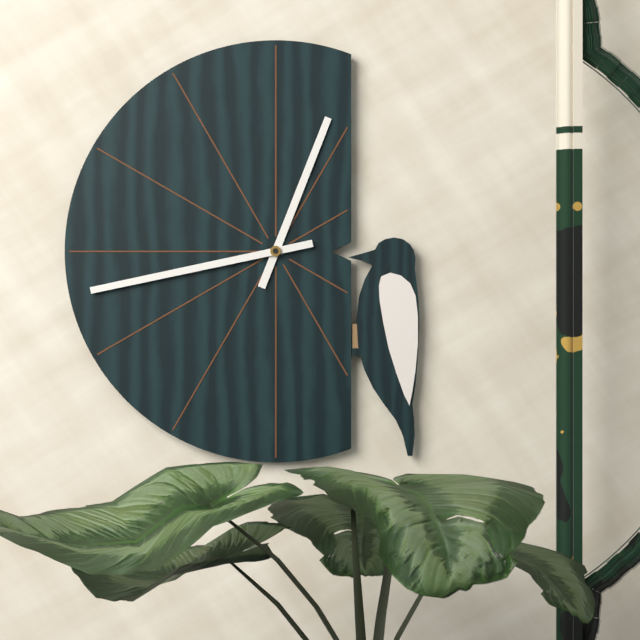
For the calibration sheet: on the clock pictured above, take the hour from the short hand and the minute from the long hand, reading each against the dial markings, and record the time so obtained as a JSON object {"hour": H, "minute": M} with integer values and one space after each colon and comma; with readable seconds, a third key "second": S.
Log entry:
{"hour": 12, "minute": 43}
